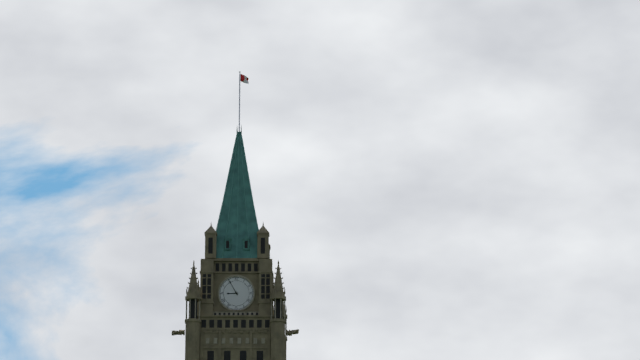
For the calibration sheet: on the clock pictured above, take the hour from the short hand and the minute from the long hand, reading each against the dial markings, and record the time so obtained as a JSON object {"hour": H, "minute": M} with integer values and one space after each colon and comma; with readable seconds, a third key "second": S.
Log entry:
{"hour": 8, "minute": 55}
